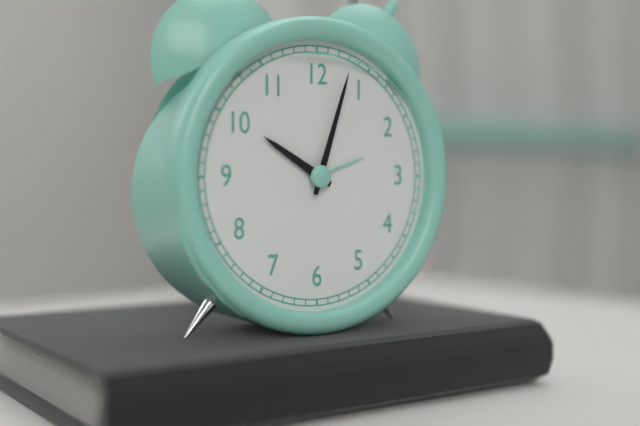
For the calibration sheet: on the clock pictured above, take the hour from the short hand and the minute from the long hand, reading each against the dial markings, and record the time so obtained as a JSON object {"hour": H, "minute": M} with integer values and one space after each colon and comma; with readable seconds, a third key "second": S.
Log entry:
{"hour": 10, "minute": 3}
